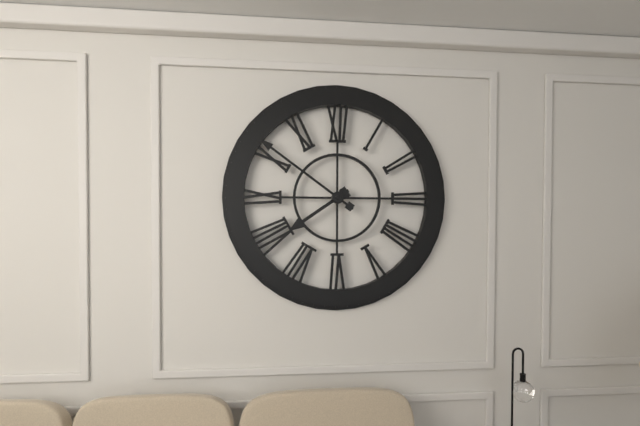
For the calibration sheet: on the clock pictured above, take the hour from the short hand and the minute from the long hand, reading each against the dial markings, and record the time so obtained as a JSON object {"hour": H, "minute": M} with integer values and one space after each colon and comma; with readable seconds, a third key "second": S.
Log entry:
{"hour": 7, "minute": 51}
